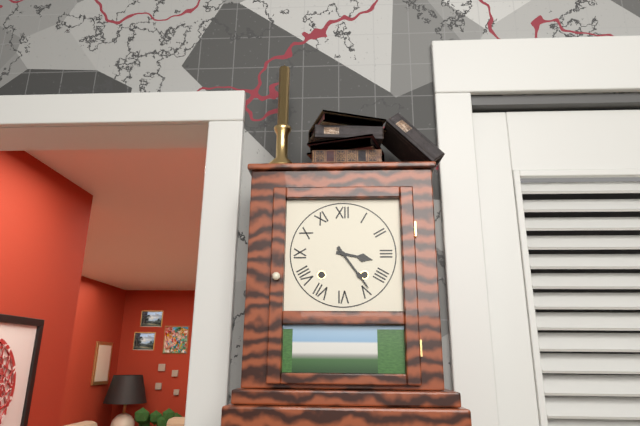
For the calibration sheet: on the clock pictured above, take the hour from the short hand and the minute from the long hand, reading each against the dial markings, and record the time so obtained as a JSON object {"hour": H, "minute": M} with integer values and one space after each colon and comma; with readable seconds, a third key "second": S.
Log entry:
{"hour": 3, "minute": 24}
